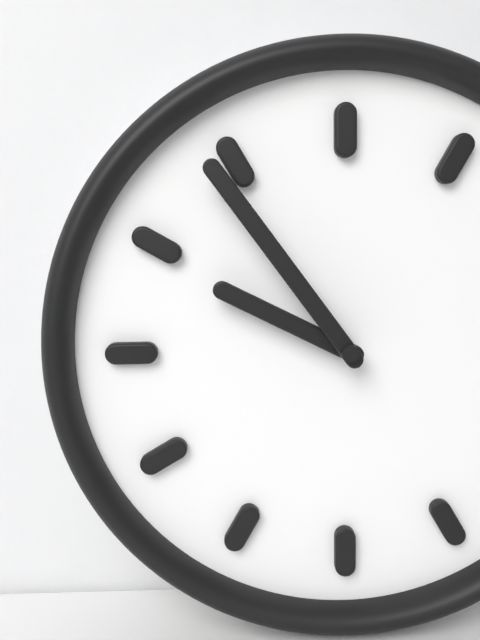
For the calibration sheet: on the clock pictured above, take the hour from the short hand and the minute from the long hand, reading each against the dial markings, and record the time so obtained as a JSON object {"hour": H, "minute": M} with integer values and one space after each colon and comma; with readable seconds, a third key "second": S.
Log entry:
{"hour": 9, "minute": 54}
